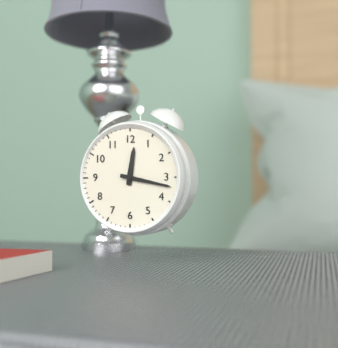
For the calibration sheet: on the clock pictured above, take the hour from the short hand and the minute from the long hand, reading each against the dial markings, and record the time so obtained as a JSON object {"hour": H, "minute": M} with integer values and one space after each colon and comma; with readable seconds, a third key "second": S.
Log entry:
{"hour": 12, "minute": 17}
